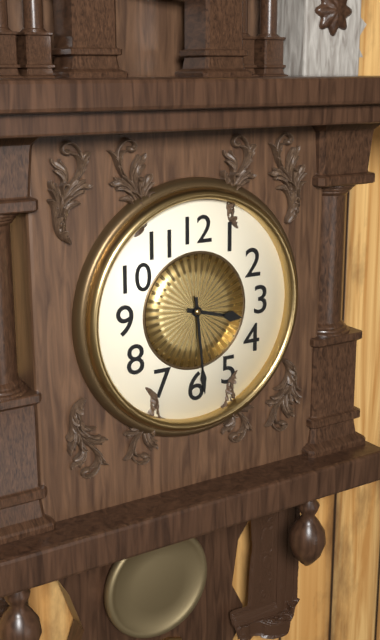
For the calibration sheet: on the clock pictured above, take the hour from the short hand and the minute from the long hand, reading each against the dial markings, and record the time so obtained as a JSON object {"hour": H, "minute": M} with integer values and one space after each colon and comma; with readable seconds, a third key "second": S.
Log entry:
{"hour": 3, "minute": 29}
